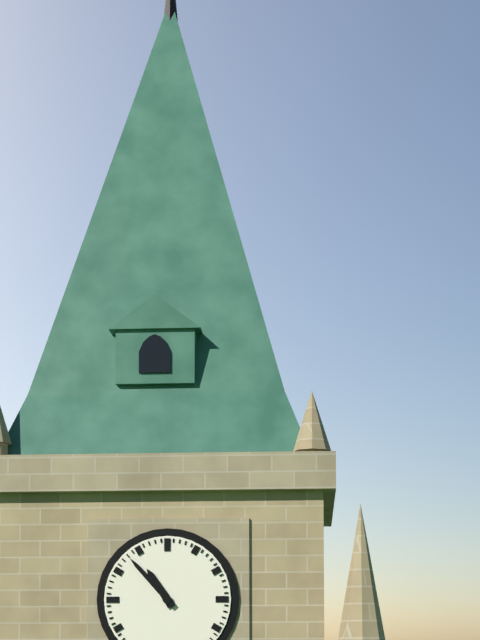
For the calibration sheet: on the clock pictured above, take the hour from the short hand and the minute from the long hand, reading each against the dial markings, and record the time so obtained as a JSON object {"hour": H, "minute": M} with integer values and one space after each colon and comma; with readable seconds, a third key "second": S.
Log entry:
{"hour": 10, "minute": 53}
